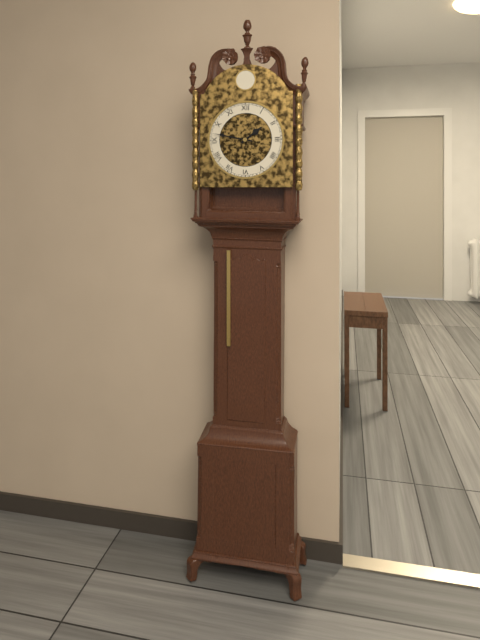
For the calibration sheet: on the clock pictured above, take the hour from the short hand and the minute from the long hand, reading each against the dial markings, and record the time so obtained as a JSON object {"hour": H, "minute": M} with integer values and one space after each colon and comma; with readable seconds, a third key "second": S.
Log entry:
{"hour": 1, "minute": 47}
